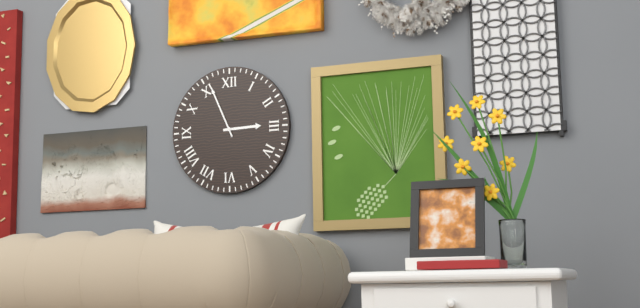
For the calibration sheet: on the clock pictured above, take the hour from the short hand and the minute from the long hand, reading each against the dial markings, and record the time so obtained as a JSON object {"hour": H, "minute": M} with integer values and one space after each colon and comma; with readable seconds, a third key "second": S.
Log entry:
{"hour": 2, "minute": 56}
